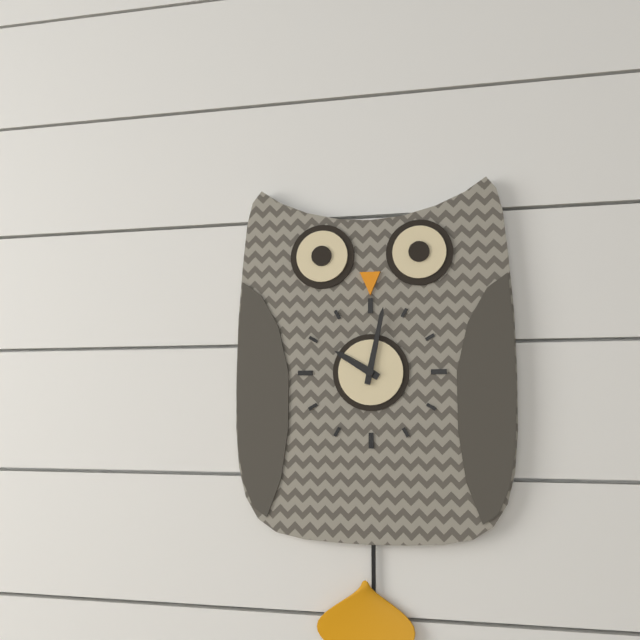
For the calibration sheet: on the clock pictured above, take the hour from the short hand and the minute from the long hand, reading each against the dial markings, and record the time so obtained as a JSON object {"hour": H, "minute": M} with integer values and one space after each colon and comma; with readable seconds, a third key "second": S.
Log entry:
{"hour": 10, "minute": 2}
